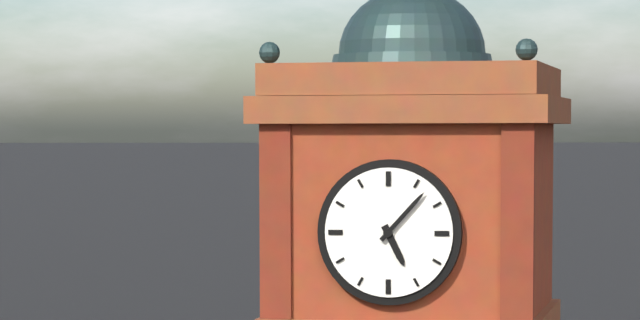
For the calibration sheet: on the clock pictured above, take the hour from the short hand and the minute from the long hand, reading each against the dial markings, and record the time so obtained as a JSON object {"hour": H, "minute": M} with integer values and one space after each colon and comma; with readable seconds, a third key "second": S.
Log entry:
{"hour": 5, "minute": 7}
